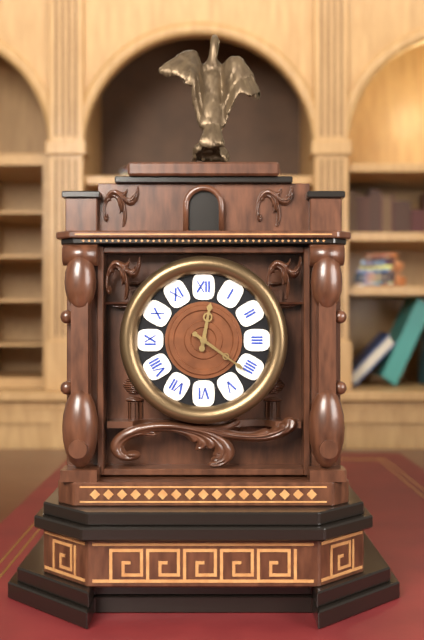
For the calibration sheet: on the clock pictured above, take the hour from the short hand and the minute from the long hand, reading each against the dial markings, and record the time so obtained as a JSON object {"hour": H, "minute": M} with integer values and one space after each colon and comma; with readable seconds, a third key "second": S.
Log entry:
{"hour": 12, "minute": 21}
